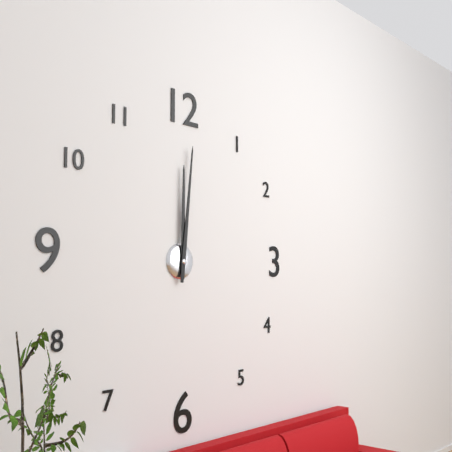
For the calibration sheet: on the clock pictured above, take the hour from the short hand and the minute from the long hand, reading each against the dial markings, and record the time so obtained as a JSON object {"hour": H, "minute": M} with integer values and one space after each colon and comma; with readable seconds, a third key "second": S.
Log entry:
{"hour": 12, "minute": 1}
